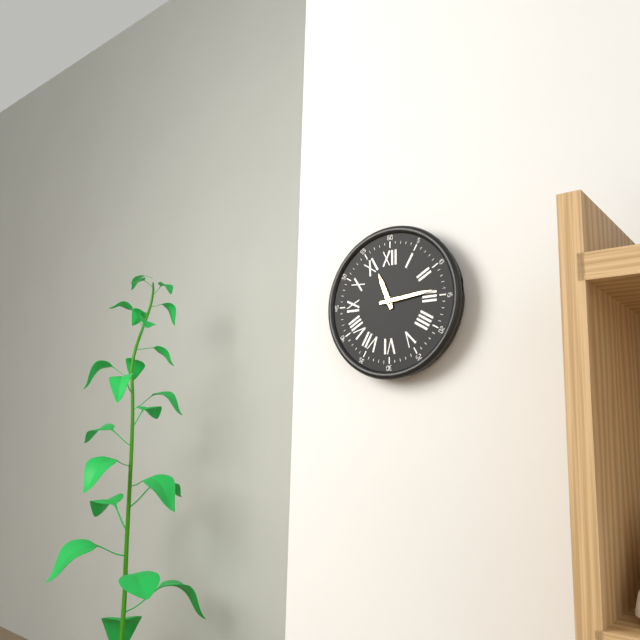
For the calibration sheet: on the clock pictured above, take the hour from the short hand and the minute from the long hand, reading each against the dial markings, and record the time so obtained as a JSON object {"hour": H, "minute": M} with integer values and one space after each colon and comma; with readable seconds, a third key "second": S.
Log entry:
{"hour": 11, "minute": 14}
